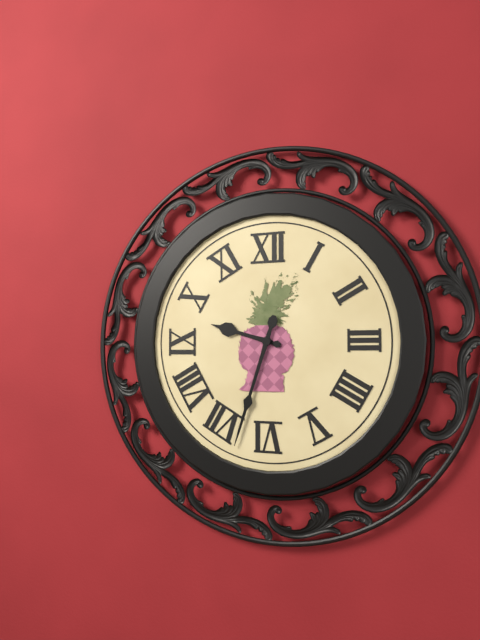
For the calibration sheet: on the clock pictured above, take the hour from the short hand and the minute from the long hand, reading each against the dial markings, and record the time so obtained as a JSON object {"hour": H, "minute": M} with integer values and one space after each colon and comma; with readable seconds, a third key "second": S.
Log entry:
{"hour": 9, "minute": 33}
